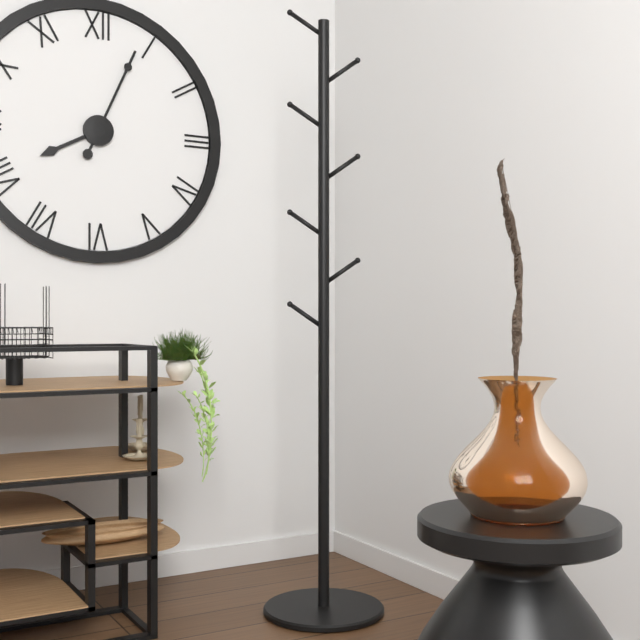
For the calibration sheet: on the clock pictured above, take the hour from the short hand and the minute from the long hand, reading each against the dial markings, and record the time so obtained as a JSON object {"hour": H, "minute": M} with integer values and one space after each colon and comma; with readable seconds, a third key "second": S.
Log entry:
{"hour": 8, "minute": 4}
